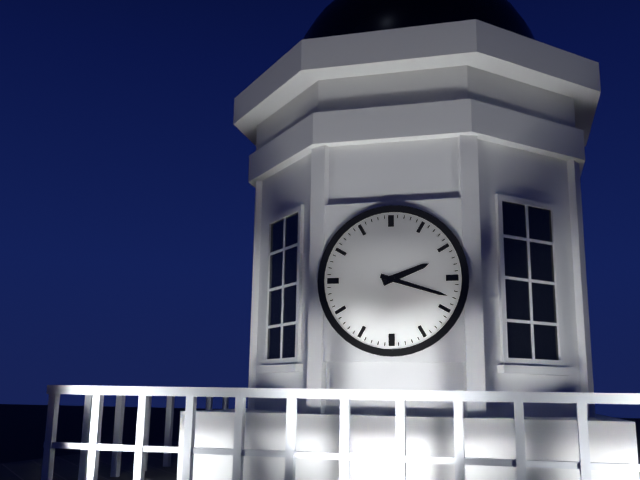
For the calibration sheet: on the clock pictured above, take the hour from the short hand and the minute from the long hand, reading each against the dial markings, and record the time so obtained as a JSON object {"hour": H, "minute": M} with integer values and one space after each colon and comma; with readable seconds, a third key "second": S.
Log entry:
{"hour": 2, "minute": 18}
